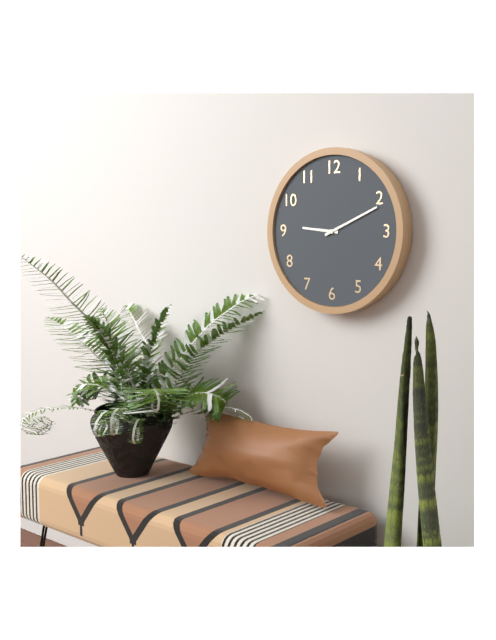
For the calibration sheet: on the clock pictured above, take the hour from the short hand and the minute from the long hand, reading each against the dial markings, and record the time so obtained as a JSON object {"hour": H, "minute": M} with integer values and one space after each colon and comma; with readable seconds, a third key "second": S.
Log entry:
{"hour": 9, "minute": 11}
